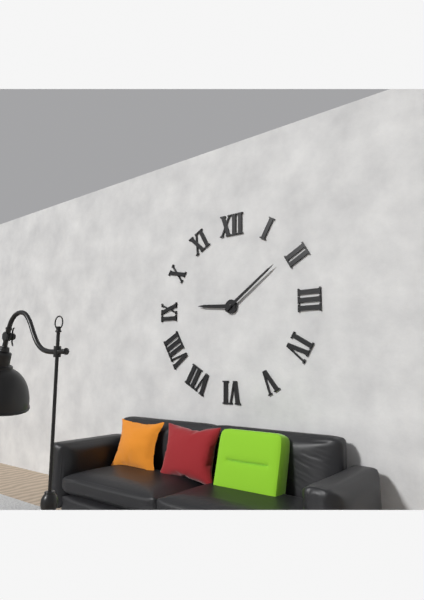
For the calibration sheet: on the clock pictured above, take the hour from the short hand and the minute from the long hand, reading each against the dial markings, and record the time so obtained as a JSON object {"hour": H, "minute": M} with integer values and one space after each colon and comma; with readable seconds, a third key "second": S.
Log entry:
{"hour": 9, "minute": 9}
